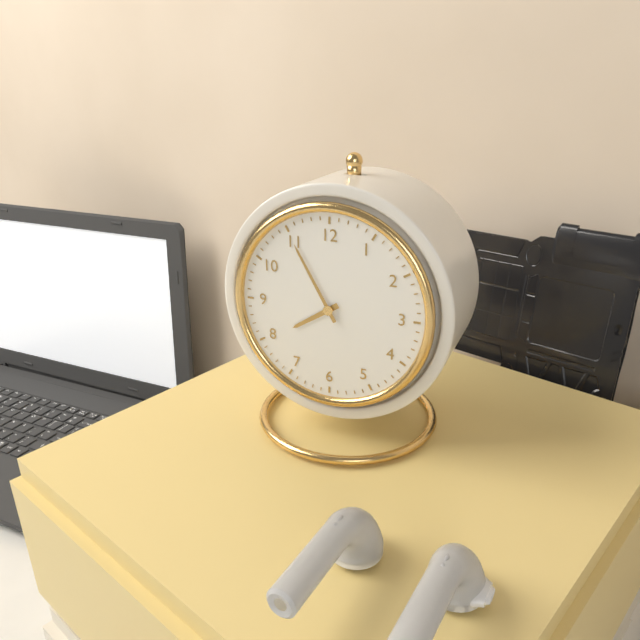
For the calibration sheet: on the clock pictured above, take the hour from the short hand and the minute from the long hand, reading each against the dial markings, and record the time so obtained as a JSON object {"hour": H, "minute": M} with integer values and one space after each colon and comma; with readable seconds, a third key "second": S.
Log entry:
{"hour": 7, "minute": 55}
